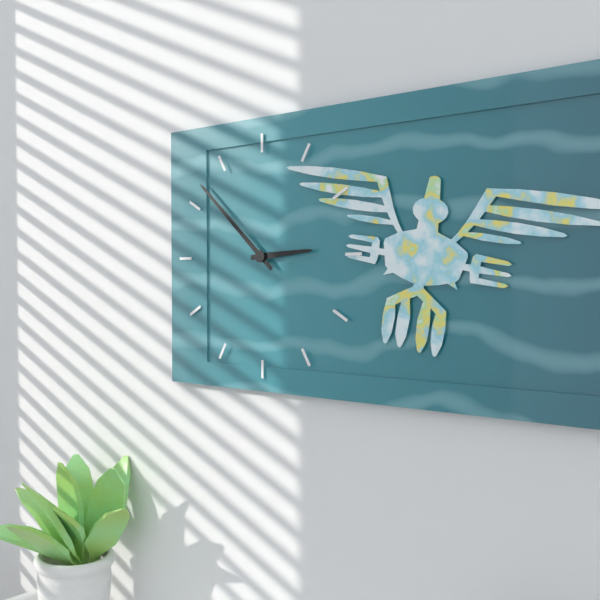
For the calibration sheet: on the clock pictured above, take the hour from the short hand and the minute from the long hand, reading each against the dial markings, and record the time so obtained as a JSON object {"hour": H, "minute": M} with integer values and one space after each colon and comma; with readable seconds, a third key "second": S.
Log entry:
{"hour": 2, "minute": 52}
